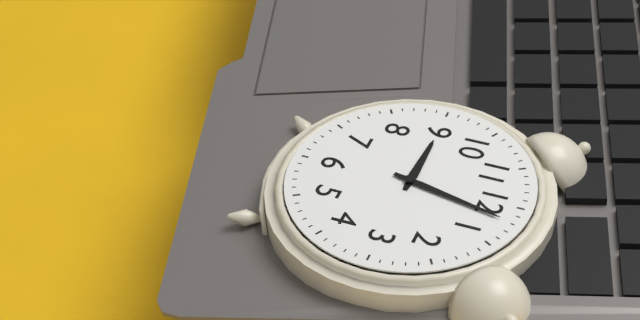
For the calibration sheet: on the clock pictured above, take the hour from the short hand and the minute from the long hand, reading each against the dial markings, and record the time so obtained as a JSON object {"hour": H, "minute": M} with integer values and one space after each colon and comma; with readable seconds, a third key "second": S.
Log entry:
{"hour": 9, "minute": 2}
